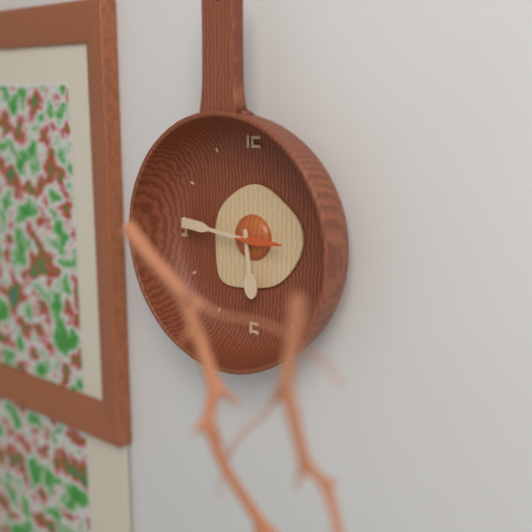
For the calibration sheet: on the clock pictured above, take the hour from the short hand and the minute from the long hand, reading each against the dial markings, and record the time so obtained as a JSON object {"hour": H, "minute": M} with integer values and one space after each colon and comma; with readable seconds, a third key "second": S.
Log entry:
{"hour": 5, "minute": 46}
